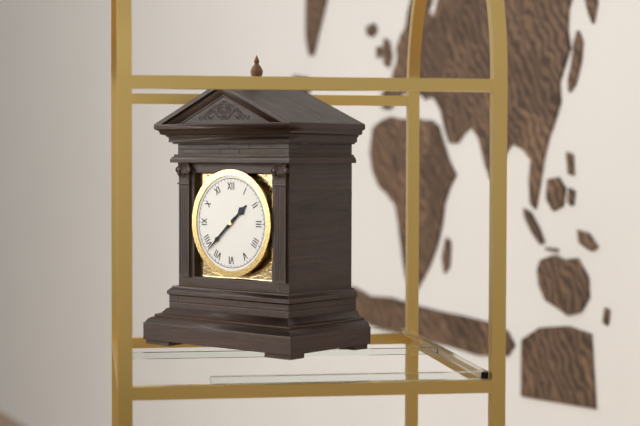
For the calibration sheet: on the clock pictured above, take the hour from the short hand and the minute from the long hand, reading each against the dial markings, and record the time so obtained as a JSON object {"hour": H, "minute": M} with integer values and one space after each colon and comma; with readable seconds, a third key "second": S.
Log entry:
{"hour": 1, "minute": 38}
